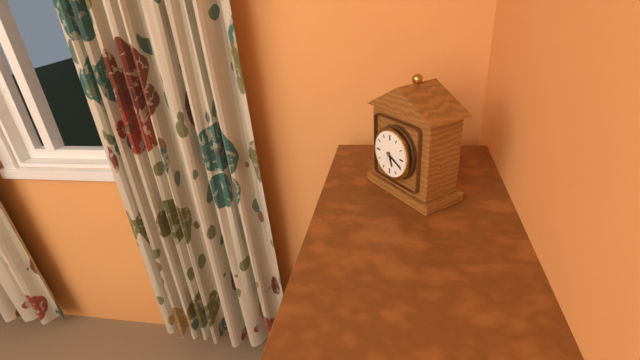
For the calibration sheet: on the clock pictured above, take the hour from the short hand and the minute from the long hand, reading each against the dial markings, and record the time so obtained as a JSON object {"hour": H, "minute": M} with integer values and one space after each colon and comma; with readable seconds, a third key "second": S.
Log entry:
{"hour": 5, "minute": 19}
